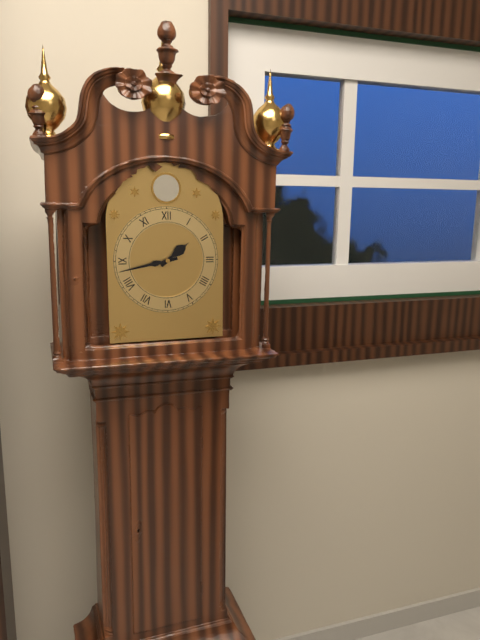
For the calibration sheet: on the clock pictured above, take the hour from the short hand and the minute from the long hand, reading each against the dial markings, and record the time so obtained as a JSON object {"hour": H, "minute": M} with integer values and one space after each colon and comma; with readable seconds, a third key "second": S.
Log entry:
{"hour": 1, "minute": 43}
